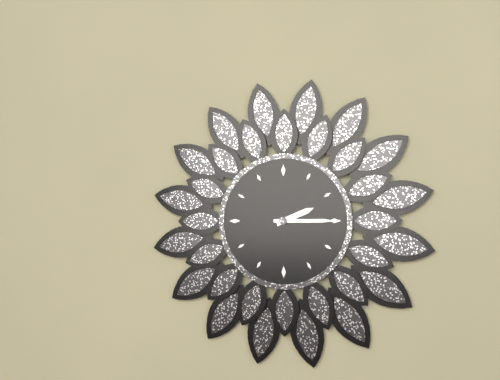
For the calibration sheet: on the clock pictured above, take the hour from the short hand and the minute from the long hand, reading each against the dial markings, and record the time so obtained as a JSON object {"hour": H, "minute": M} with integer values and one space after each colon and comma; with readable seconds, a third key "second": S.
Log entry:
{"hour": 2, "minute": 15}
